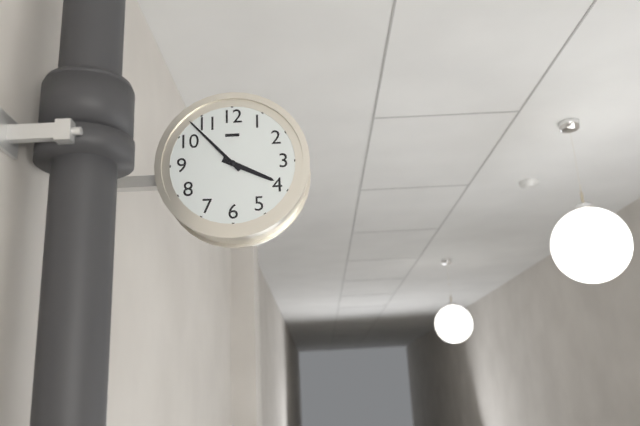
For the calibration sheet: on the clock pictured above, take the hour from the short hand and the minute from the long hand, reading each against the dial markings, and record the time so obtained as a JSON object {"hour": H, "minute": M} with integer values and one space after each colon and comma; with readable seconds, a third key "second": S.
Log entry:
{"hour": 3, "minute": 53}
